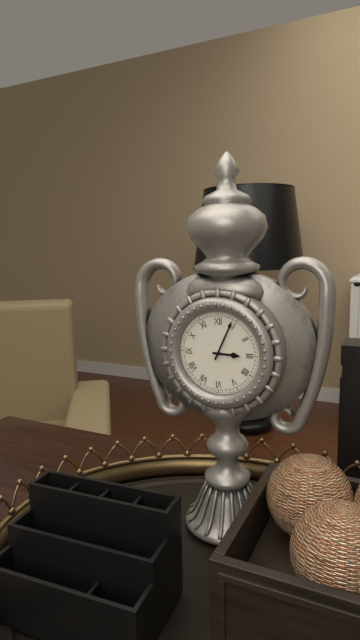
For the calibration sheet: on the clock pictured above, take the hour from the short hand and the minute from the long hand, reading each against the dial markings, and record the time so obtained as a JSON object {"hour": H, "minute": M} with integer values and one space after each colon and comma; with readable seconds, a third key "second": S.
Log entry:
{"hour": 3, "minute": 4}
